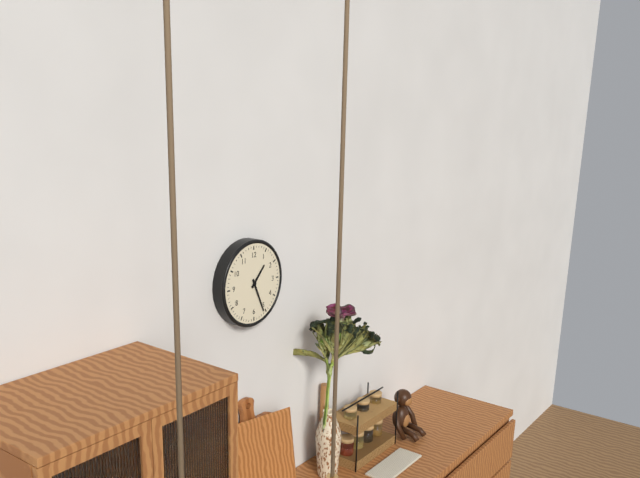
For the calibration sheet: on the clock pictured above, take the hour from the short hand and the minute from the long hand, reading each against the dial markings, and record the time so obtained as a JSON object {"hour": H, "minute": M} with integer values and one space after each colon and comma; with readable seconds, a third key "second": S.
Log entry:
{"hour": 1, "minute": 26}
